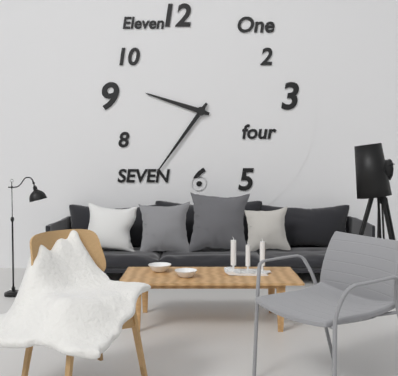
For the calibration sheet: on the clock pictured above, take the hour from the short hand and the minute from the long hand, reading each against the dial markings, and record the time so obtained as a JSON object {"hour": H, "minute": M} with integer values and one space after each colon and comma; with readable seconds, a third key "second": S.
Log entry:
{"hour": 9, "minute": 36}
